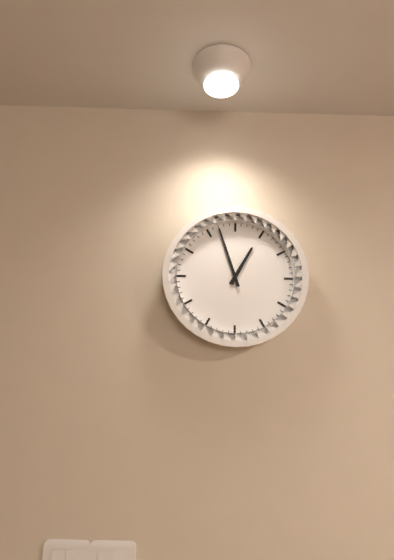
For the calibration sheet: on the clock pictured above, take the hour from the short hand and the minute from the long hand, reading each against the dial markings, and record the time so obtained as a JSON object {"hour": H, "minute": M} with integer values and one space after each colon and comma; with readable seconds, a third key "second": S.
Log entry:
{"hour": 12, "minute": 57}
